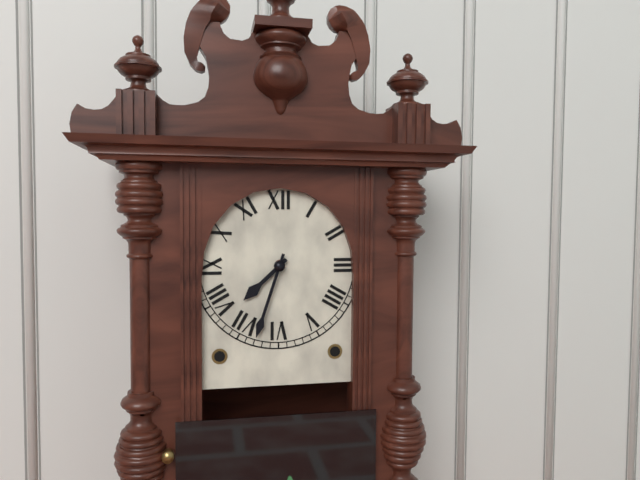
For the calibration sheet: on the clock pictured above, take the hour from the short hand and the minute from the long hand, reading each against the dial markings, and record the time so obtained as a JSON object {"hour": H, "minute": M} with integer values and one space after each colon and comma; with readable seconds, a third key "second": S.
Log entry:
{"hour": 7, "minute": 33}
